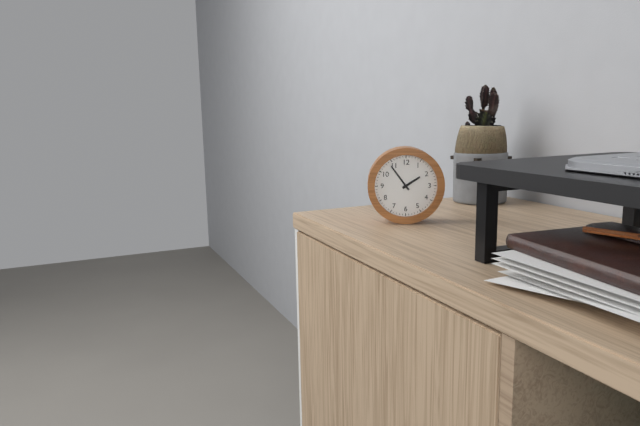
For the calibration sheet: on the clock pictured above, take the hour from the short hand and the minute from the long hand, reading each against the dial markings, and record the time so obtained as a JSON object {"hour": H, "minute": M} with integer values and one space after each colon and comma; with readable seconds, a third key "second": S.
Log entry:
{"hour": 1, "minute": 54}
